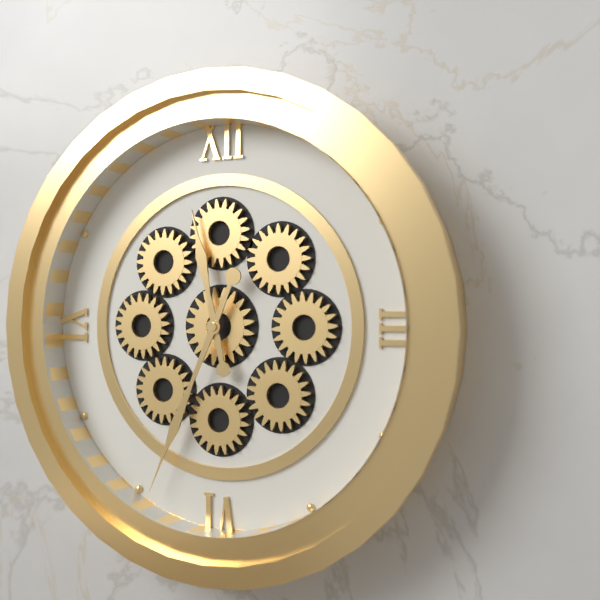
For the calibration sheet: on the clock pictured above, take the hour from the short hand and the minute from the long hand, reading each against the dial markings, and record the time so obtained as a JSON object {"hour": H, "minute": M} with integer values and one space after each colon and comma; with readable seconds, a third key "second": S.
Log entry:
{"hour": 11, "minute": 34}
